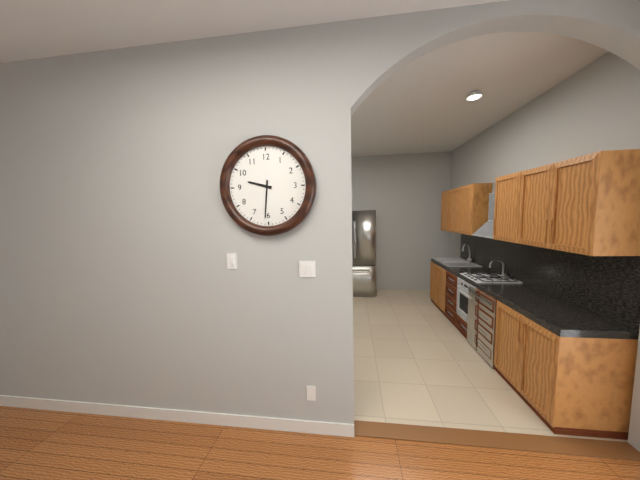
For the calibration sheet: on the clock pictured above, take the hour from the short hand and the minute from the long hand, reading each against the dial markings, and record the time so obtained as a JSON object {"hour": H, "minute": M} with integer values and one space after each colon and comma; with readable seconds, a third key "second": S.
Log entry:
{"hour": 9, "minute": 31}
